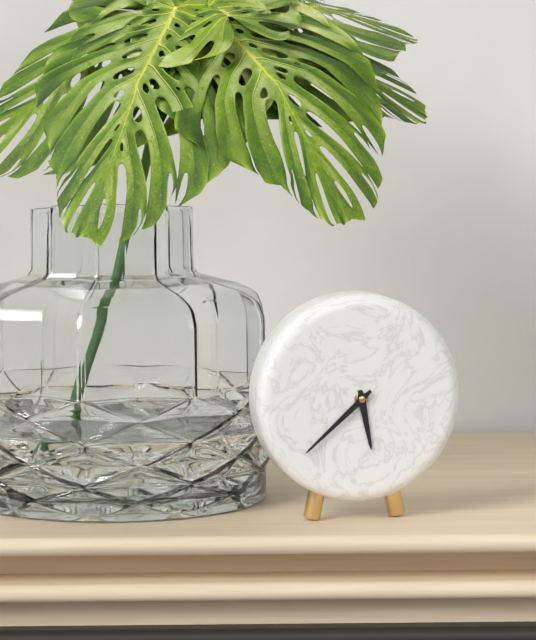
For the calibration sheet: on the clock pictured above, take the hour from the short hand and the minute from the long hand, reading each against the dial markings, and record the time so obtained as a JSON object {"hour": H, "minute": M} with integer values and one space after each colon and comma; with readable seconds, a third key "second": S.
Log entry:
{"hour": 5, "minute": 38}
